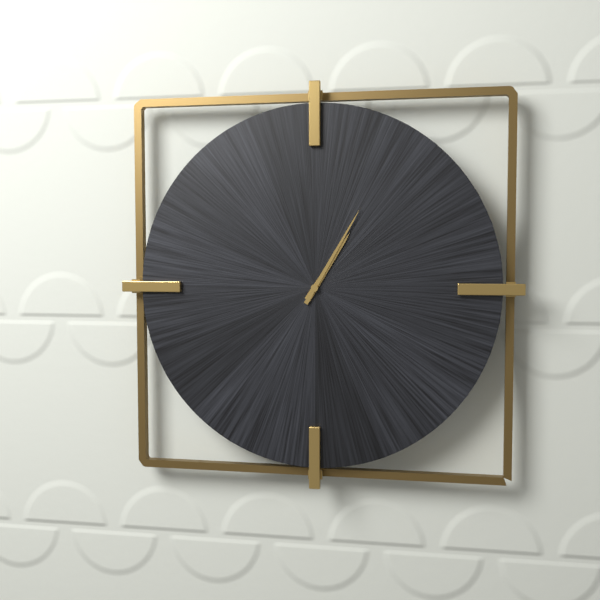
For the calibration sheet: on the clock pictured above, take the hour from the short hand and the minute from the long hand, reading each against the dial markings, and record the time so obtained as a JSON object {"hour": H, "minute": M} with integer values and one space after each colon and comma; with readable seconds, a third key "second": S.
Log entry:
{"hour": 1, "minute": 5}
